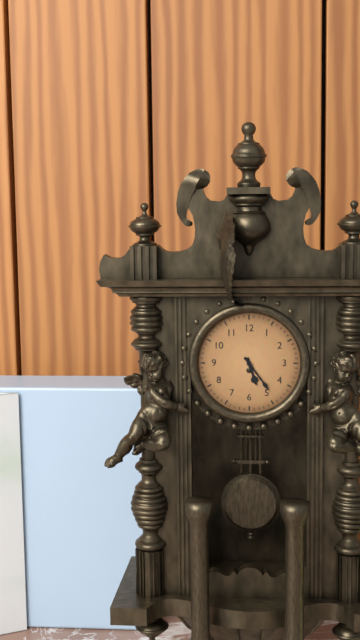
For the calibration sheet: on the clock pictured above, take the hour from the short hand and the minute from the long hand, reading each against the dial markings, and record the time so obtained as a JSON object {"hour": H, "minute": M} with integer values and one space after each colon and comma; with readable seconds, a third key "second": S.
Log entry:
{"hour": 5, "minute": 24}
